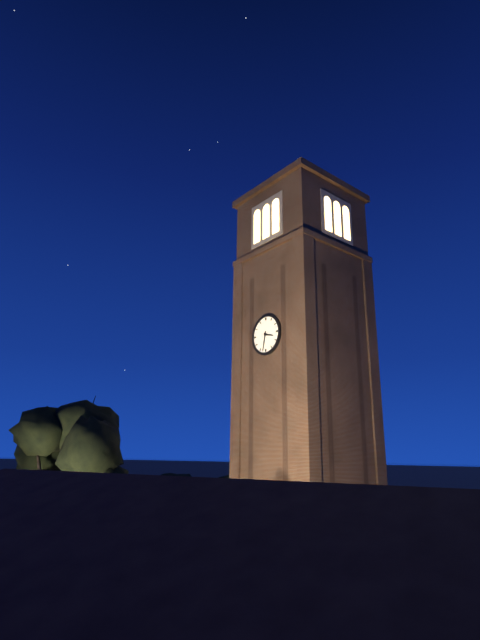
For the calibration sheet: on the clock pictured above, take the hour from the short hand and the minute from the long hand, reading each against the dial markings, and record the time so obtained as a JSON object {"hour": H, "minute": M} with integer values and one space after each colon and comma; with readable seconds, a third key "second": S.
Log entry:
{"hour": 3, "minute": 32}
